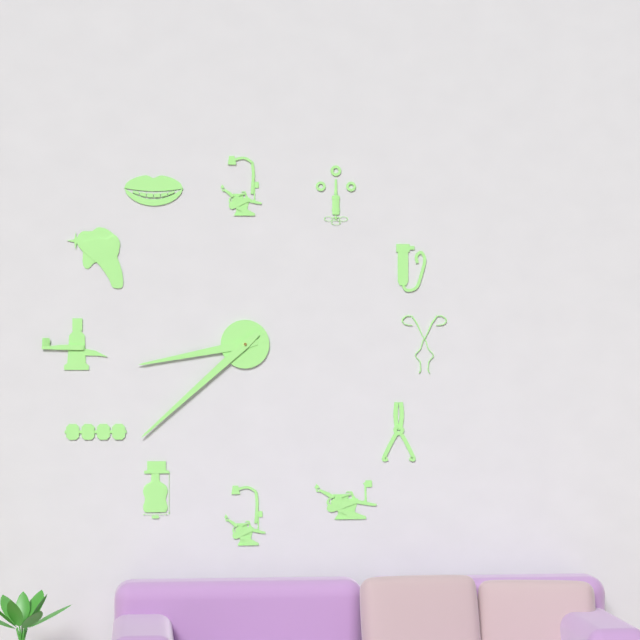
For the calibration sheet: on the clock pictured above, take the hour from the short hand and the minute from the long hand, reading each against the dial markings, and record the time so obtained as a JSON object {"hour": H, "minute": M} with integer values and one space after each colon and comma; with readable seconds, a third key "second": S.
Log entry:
{"hour": 8, "minute": 38}
